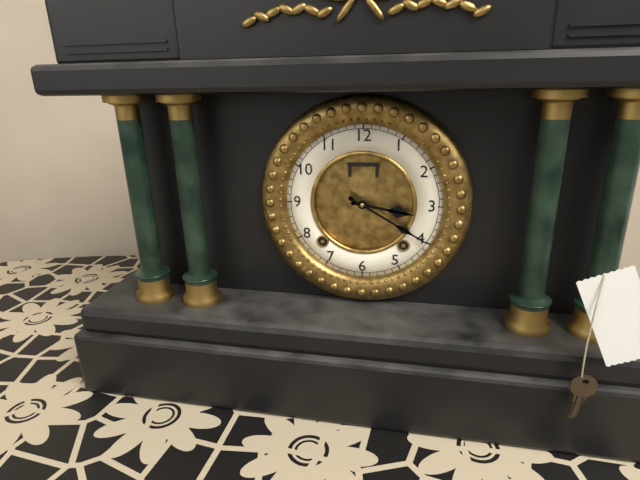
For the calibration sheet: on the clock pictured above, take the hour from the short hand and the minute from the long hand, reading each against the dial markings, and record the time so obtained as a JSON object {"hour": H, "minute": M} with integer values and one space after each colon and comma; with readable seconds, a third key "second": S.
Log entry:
{"hour": 3, "minute": 20}
